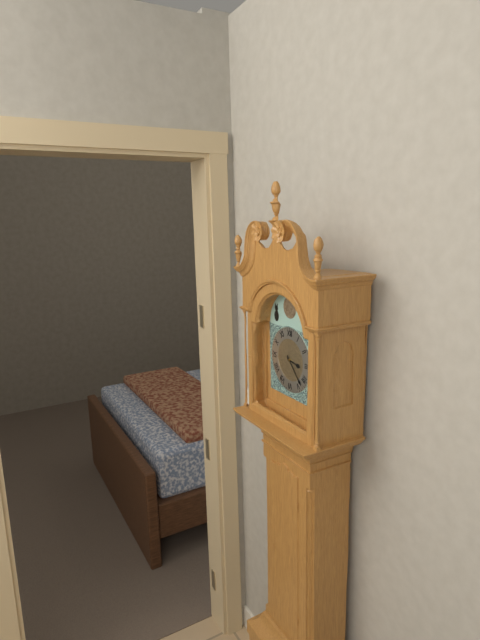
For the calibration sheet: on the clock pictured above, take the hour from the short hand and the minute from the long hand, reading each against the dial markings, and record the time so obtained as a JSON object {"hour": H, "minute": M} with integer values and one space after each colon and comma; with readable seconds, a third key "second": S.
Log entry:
{"hour": 3, "minute": 23}
